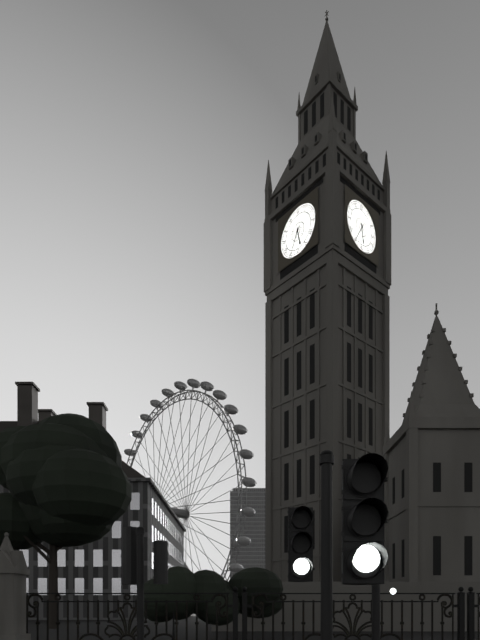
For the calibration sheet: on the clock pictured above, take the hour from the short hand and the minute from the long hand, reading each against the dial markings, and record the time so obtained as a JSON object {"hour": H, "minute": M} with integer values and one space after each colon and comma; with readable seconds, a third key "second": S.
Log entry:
{"hour": 5, "minute": 35}
